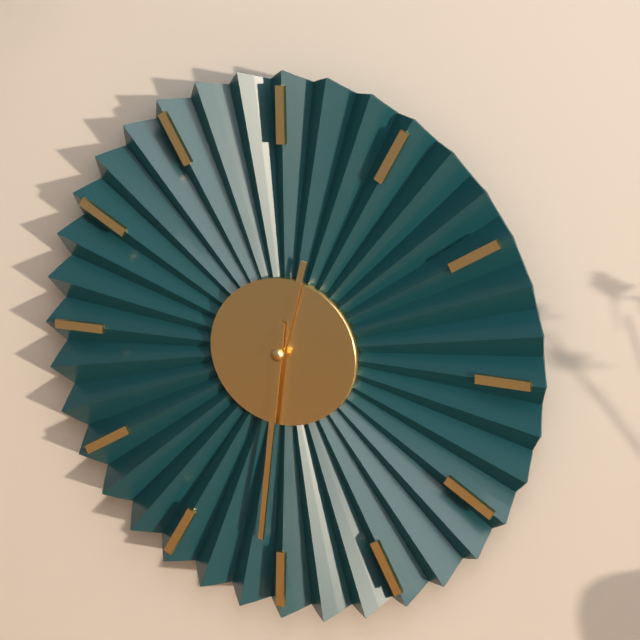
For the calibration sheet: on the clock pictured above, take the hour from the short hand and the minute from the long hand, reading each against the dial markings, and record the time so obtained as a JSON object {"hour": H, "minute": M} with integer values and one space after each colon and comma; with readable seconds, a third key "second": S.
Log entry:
{"hour": 12, "minute": 31}
